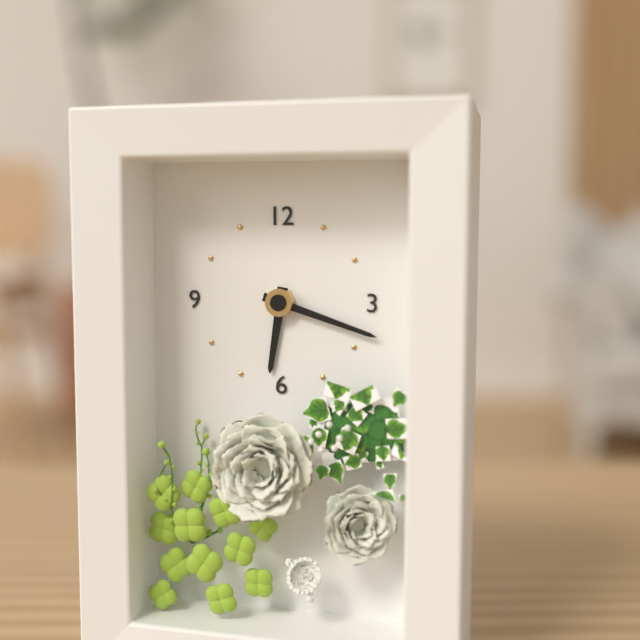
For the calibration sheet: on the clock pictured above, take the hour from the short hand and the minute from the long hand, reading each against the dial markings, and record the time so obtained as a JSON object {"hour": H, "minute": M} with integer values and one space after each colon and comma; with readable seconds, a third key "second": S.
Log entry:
{"hour": 6, "minute": 18}
